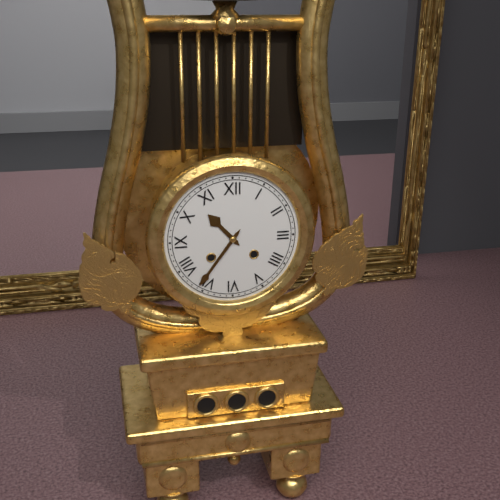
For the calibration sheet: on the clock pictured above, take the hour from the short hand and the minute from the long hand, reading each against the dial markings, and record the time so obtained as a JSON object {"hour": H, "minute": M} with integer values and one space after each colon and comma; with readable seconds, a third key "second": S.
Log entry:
{"hour": 10, "minute": 36}
